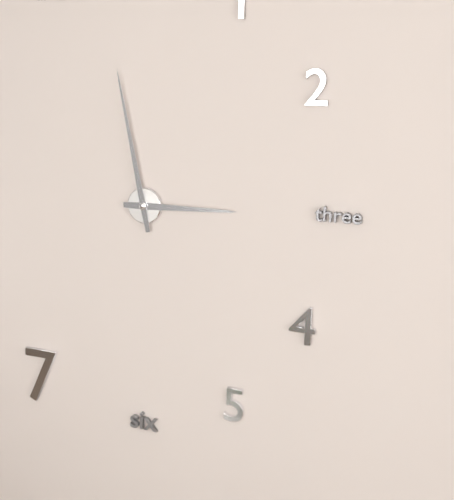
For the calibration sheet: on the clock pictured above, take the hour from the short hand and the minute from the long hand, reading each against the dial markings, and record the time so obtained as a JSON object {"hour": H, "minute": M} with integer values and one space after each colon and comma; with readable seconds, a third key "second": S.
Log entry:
{"hour": 2, "minute": 58}
